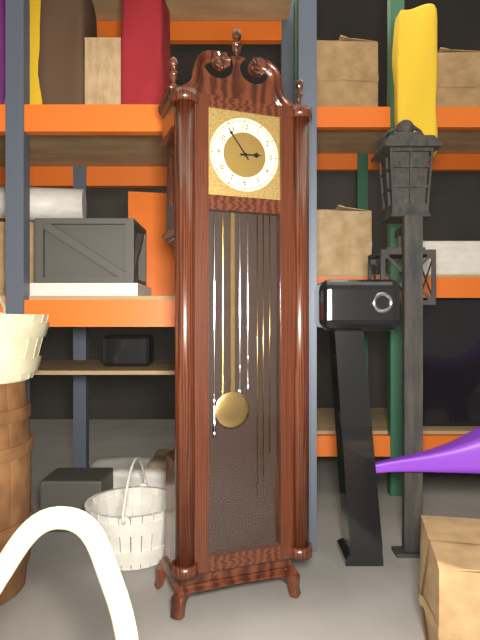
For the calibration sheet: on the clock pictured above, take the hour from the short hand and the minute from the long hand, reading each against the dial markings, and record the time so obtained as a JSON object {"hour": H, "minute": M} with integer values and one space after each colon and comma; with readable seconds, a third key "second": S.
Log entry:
{"hour": 2, "minute": 54}
